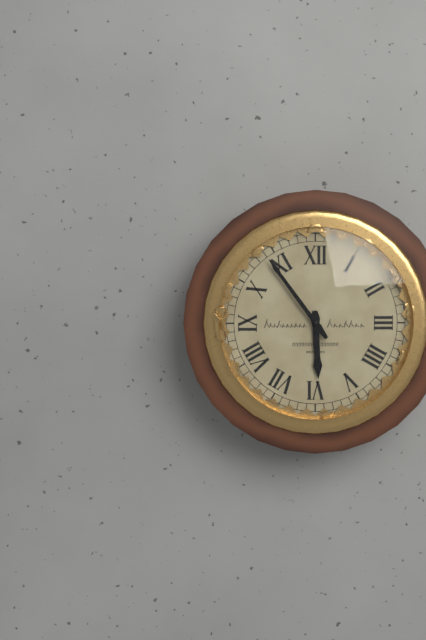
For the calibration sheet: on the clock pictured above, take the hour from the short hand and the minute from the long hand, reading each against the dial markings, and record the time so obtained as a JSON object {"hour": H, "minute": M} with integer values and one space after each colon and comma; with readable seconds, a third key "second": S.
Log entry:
{"hour": 5, "minute": 54}
